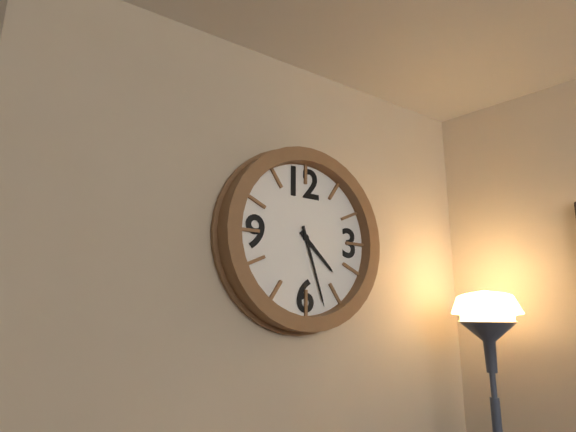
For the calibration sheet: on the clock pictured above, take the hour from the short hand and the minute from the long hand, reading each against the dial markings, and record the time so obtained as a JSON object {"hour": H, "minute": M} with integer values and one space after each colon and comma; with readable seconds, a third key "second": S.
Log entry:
{"hour": 4, "minute": 27}
